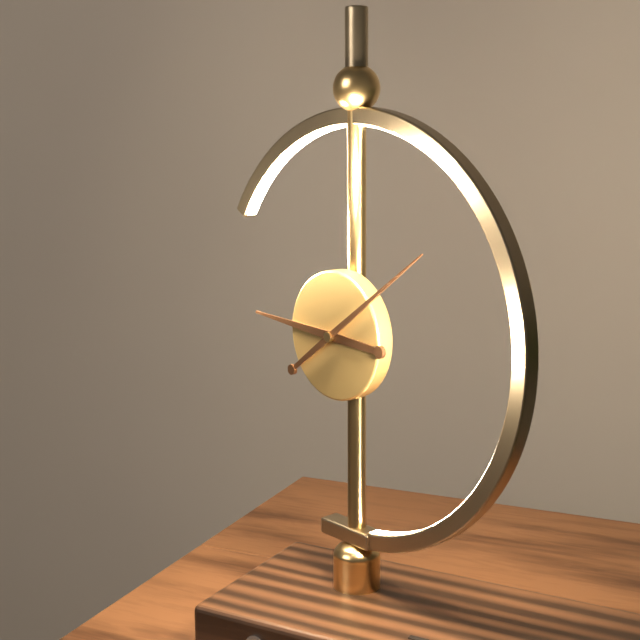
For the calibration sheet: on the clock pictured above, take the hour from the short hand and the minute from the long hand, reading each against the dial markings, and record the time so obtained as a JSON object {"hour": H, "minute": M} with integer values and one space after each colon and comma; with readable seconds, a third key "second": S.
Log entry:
{"hour": 9, "minute": 9}
